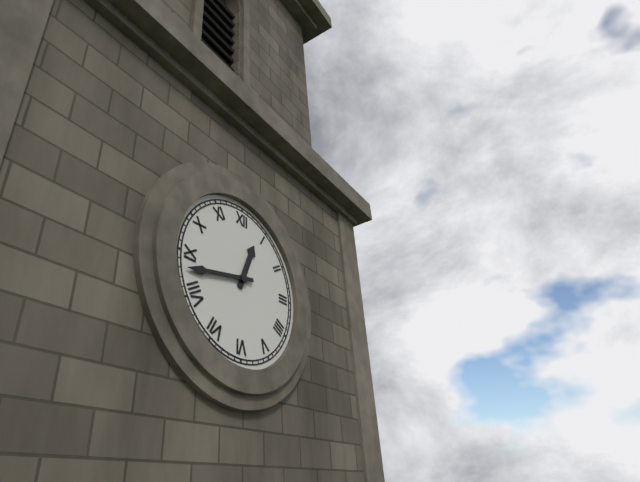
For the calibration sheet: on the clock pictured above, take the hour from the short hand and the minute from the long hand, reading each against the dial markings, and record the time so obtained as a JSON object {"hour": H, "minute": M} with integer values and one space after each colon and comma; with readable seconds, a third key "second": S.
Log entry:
{"hour": 12, "minute": 43}
